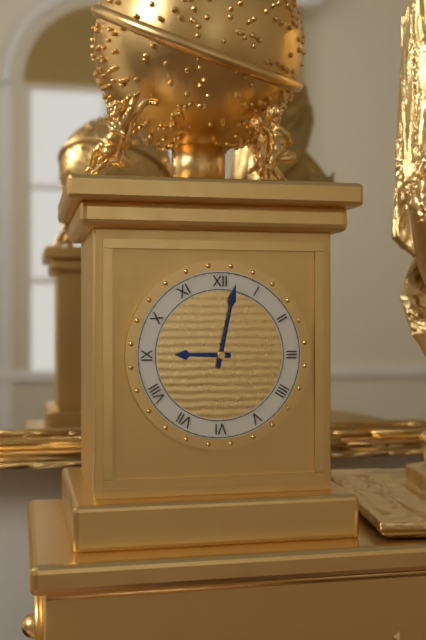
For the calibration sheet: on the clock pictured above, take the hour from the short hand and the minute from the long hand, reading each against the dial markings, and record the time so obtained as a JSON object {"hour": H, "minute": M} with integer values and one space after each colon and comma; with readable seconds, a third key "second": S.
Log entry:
{"hour": 9, "minute": 2}
